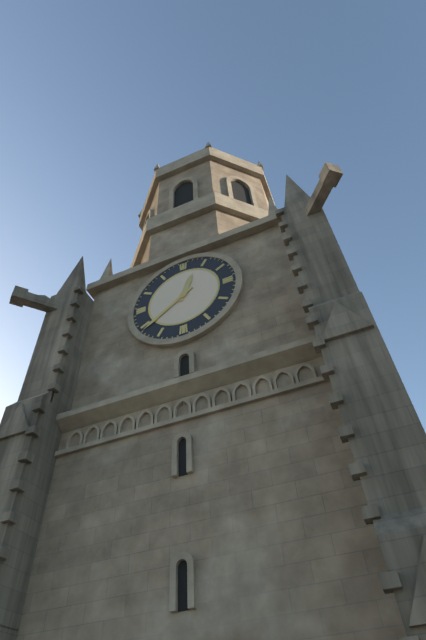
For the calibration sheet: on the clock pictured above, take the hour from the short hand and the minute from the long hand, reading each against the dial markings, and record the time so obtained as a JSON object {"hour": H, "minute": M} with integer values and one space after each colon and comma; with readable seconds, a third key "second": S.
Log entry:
{"hour": 12, "minute": 39}
